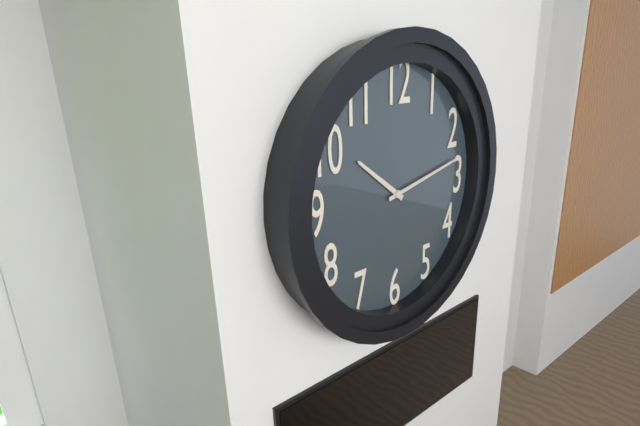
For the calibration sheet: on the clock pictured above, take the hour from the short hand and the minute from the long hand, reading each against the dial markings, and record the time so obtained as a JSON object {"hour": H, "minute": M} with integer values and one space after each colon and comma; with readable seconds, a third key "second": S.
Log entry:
{"hour": 10, "minute": 13}
